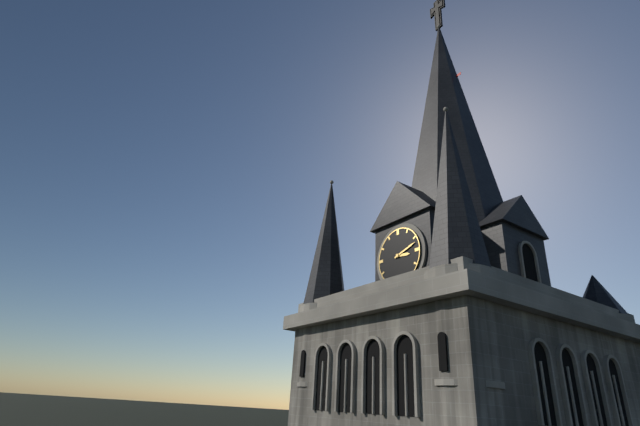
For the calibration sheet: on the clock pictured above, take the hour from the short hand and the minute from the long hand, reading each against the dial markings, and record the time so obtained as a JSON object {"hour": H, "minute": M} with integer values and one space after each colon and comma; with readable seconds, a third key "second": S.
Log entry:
{"hour": 3, "minute": 12}
